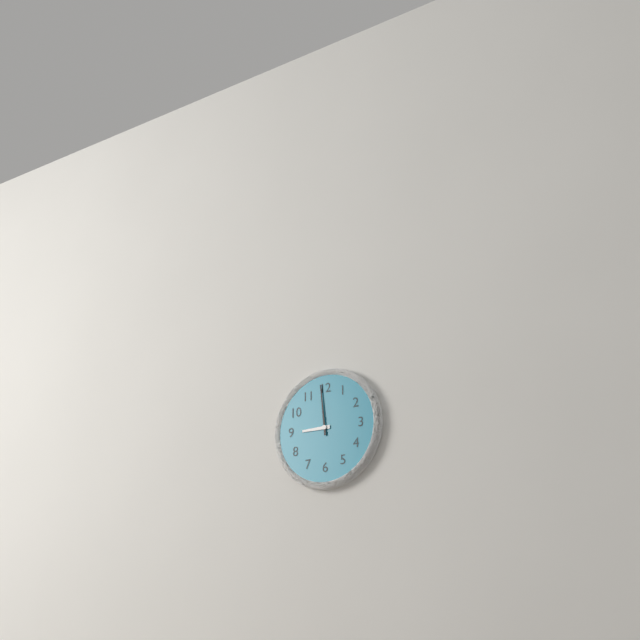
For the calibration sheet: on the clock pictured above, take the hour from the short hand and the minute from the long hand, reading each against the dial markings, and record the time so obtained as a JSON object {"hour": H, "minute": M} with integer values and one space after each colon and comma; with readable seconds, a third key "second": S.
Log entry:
{"hour": 8, "minute": 59}
